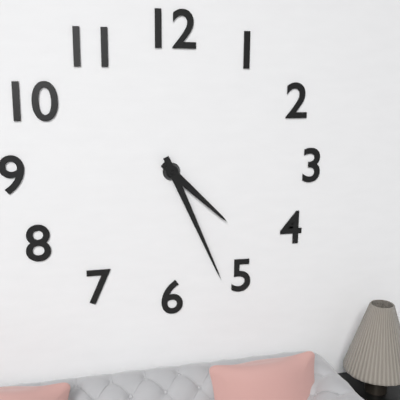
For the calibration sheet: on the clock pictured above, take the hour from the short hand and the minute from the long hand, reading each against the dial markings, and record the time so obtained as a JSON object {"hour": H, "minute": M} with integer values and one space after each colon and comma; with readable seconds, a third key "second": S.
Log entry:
{"hour": 4, "minute": 26}
